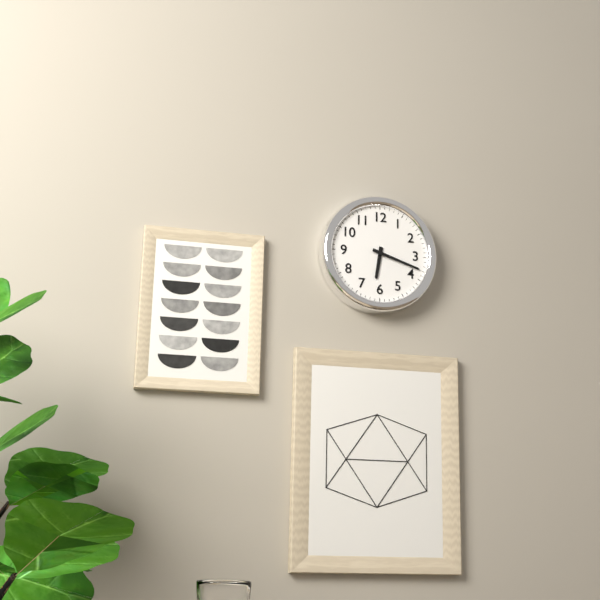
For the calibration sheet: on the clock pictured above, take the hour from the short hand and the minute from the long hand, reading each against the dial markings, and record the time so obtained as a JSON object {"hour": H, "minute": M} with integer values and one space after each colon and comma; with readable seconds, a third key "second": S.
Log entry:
{"hour": 6, "minute": 18}
